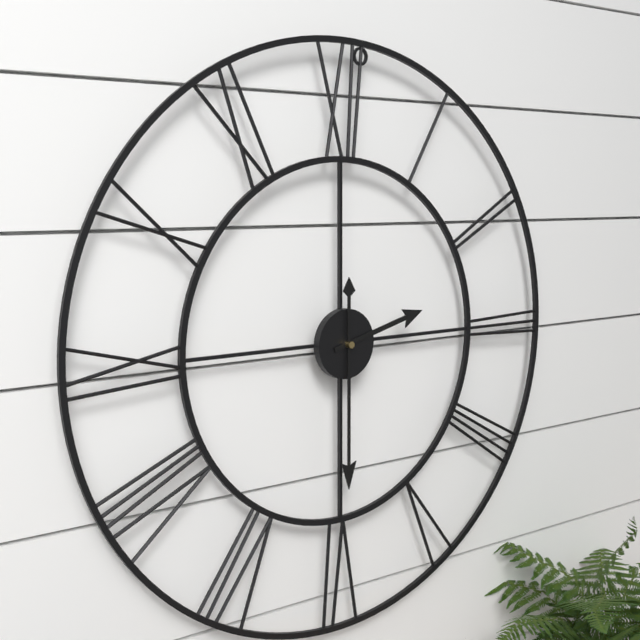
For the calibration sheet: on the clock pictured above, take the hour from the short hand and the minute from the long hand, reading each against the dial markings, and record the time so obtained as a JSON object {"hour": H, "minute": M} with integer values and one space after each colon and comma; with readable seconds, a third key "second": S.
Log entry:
{"hour": 2, "minute": 30}
